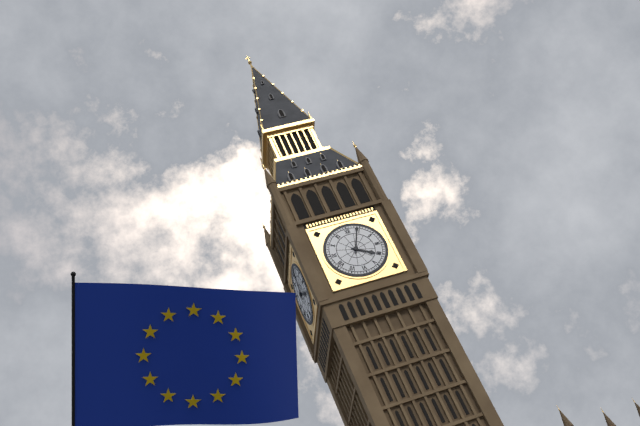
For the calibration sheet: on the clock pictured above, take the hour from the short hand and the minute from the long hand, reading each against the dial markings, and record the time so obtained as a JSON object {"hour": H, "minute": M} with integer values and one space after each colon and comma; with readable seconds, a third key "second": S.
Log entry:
{"hour": 4, "minute": 4}
